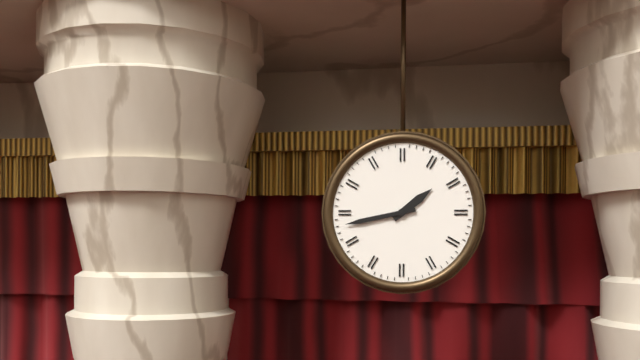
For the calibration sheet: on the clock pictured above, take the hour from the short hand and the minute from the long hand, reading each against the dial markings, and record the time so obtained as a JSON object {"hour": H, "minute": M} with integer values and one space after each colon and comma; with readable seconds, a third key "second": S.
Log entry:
{"hour": 1, "minute": 43}
